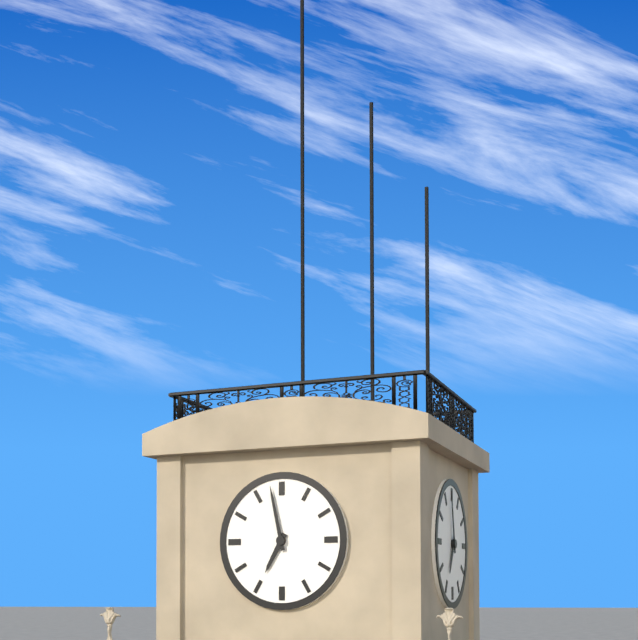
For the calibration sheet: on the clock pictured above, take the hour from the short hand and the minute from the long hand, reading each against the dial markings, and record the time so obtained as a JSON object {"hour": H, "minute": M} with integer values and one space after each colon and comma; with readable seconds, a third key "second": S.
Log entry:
{"hour": 6, "minute": 58}
